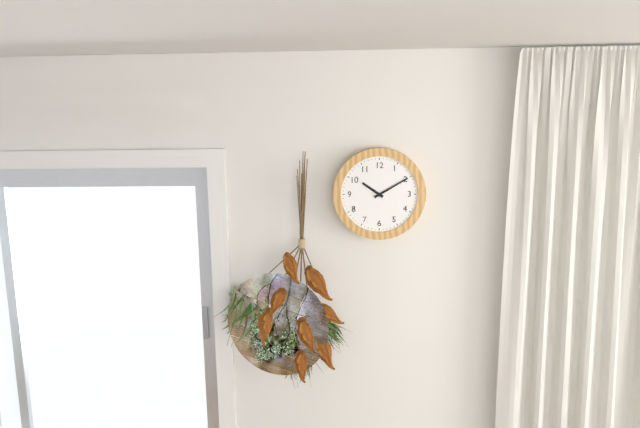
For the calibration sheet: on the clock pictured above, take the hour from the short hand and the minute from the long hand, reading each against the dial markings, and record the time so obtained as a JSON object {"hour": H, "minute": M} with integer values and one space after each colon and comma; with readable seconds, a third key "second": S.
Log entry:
{"hour": 10, "minute": 10}
